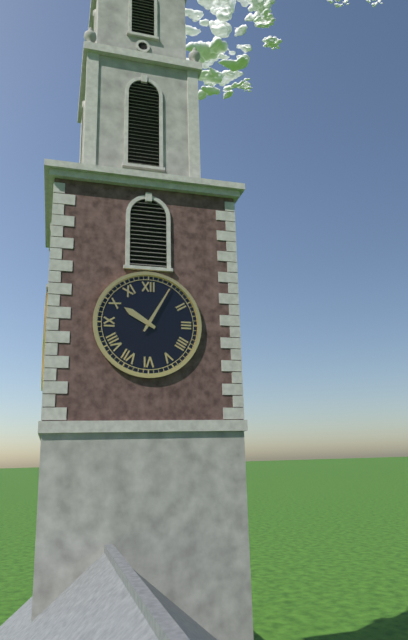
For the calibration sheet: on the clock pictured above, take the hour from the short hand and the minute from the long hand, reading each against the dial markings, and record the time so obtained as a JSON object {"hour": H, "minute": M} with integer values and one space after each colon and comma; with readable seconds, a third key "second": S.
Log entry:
{"hour": 10, "minute": 5}
